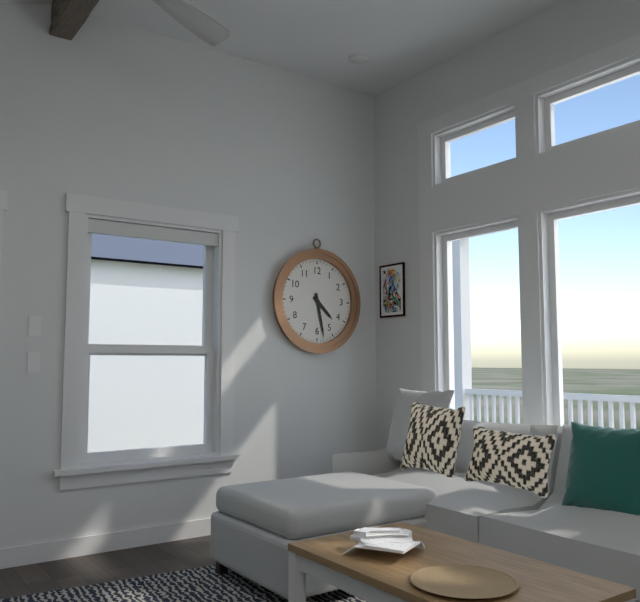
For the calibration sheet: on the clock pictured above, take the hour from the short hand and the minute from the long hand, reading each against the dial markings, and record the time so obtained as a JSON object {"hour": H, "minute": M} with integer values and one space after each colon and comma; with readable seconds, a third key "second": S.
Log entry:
{"hour": 4, "minute": 28}
